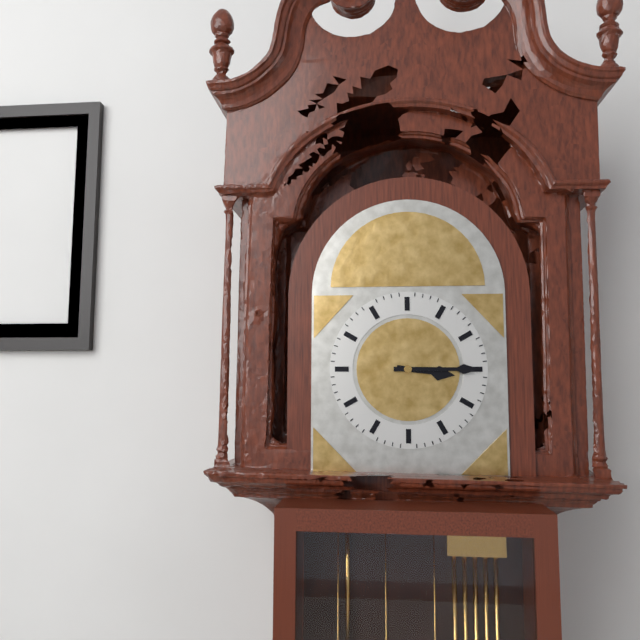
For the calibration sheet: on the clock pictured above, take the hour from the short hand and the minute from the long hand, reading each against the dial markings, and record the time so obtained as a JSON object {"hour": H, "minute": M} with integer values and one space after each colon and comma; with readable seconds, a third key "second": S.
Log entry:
{"hour": 3, "minute": 15}
